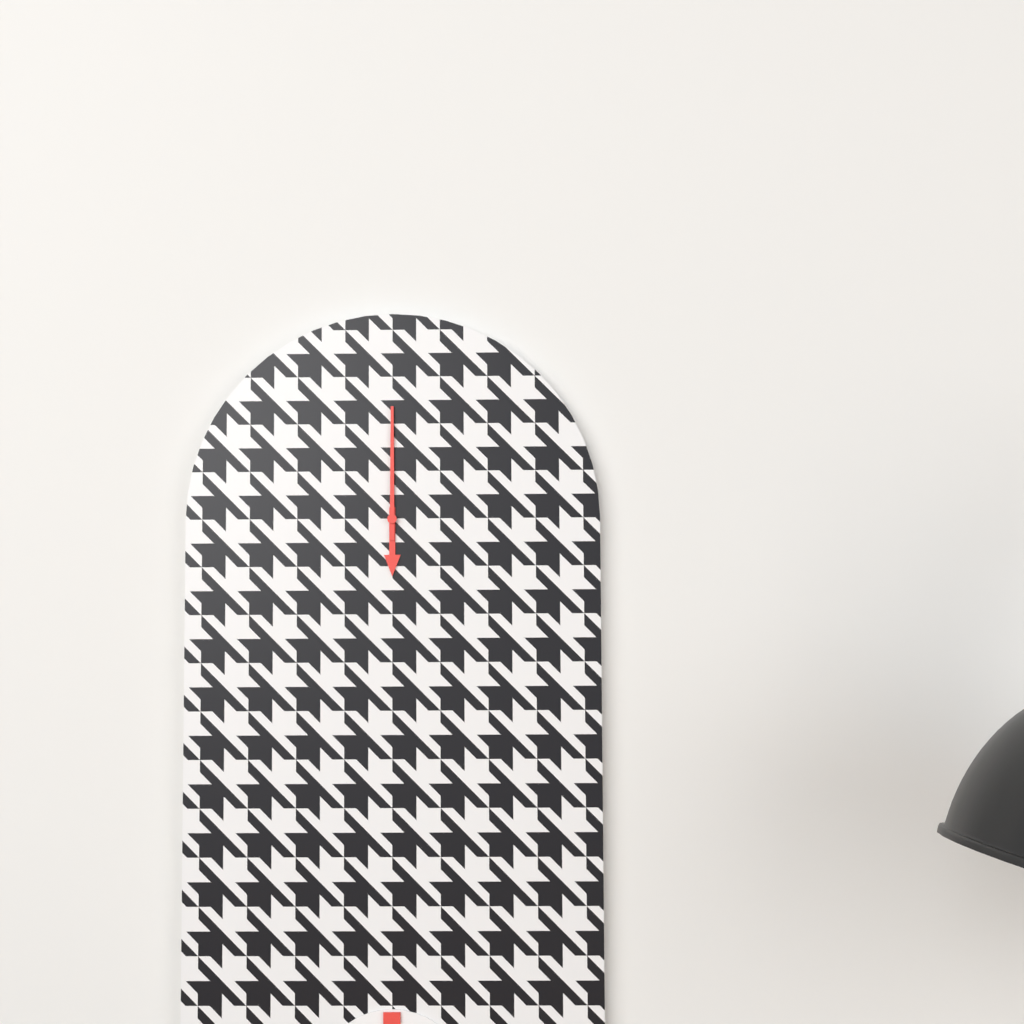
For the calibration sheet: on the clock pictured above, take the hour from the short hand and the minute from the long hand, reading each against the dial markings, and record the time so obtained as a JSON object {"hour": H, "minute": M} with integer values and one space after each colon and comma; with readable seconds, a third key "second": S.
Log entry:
{"hour": 6, "minute": 0}
